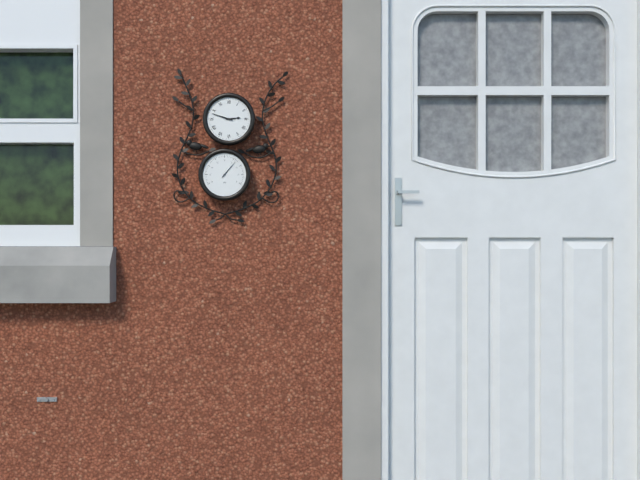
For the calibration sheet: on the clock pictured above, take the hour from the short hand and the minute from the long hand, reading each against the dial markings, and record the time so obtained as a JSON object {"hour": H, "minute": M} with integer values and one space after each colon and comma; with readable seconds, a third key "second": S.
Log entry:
{"hour": 2, "minute": 48}
